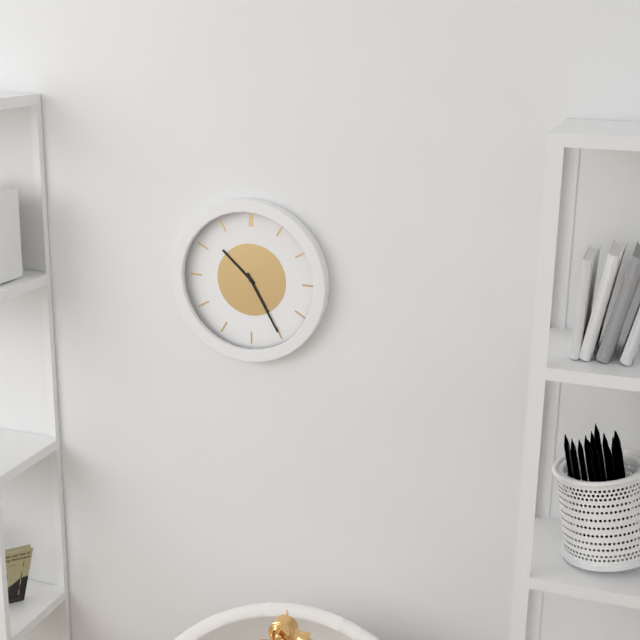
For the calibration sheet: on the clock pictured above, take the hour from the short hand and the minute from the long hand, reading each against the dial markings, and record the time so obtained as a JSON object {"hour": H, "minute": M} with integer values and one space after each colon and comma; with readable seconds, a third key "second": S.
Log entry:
{"hour": 10, "minute": 25}
